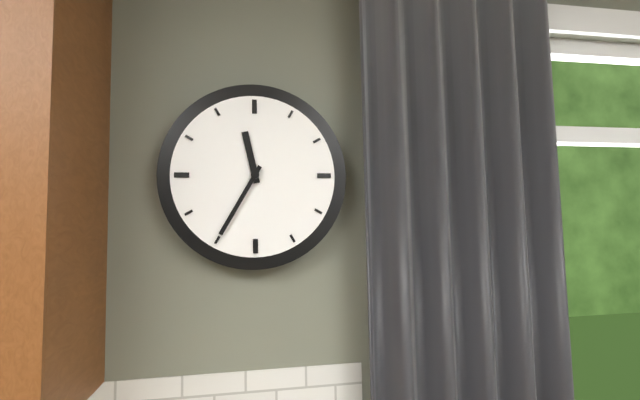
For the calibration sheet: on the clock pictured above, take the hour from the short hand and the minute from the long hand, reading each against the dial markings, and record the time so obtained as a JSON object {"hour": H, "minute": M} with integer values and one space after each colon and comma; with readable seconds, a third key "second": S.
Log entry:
{"hour": 11, "minute": 35}
